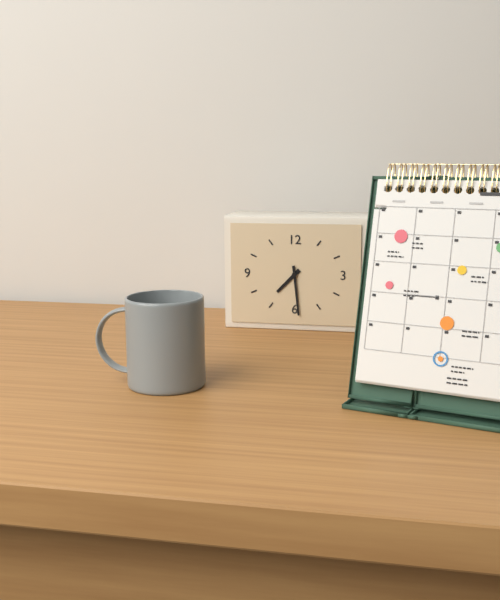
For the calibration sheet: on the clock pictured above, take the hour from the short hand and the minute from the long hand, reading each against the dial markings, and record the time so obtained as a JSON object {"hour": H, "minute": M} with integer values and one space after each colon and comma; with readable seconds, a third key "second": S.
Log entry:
{"hour": 7, "minute": 29}
